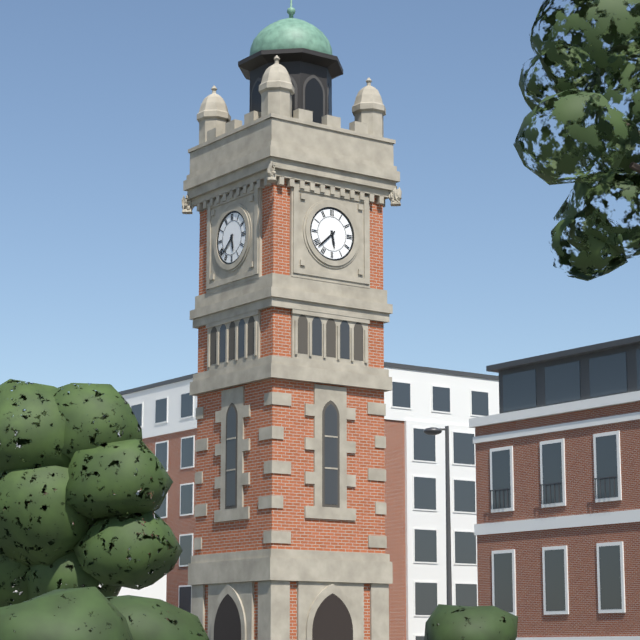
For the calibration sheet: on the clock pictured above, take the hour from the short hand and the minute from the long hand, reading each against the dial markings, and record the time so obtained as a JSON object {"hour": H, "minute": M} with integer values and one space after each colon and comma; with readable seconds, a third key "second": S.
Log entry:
{"hour": 5, "minute": 38}
